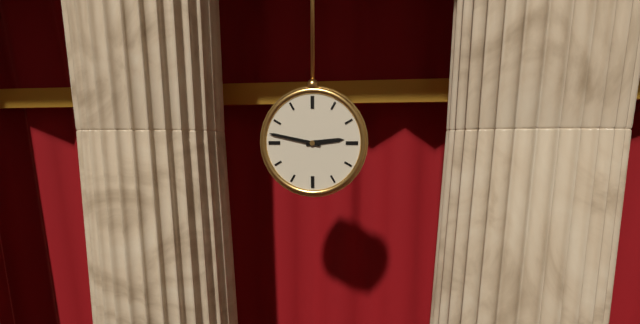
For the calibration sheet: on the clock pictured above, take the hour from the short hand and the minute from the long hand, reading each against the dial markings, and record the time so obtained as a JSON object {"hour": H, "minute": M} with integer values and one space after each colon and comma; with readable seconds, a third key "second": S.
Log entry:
{"hour": 2, "minute": 47}
